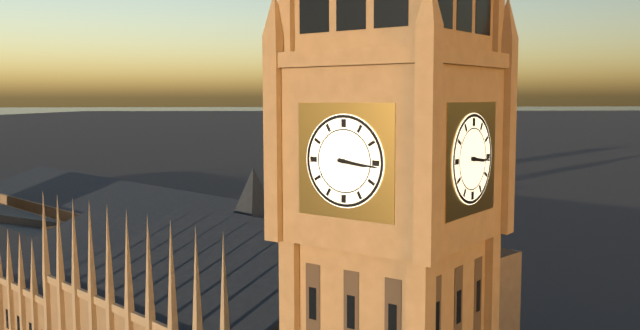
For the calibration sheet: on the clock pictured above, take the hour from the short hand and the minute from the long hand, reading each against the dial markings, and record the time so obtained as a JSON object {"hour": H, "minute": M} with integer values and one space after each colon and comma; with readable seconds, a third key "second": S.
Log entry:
{"hour": 3, "minute": 16}
